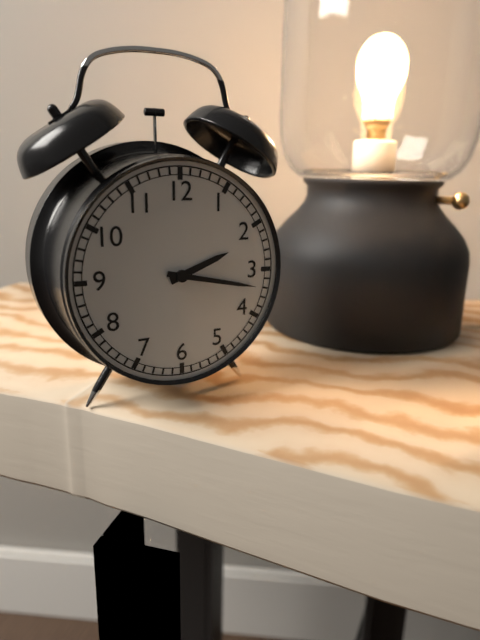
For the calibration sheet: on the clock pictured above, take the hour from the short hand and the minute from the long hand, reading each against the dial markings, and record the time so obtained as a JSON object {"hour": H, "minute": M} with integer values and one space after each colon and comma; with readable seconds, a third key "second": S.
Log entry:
{"hour": 2, "minute": 17}
